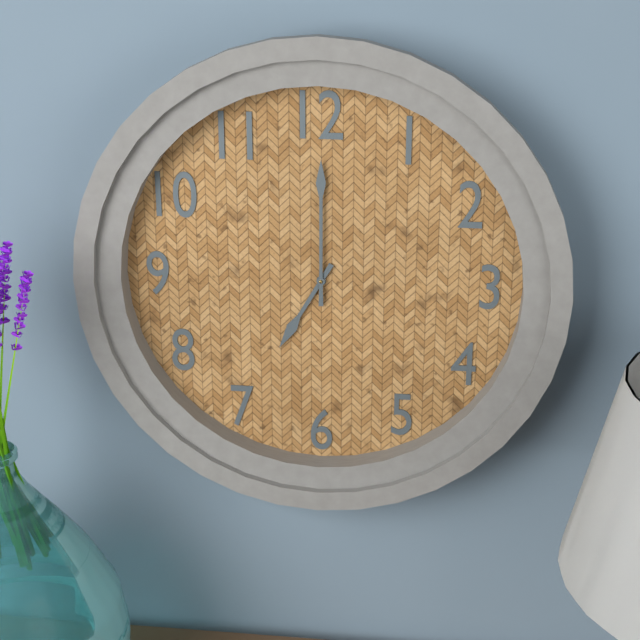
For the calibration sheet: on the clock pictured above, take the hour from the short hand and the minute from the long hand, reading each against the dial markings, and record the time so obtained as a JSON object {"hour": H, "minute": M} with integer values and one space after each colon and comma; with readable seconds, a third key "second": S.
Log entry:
{"hour": 7, "minute": 0}
